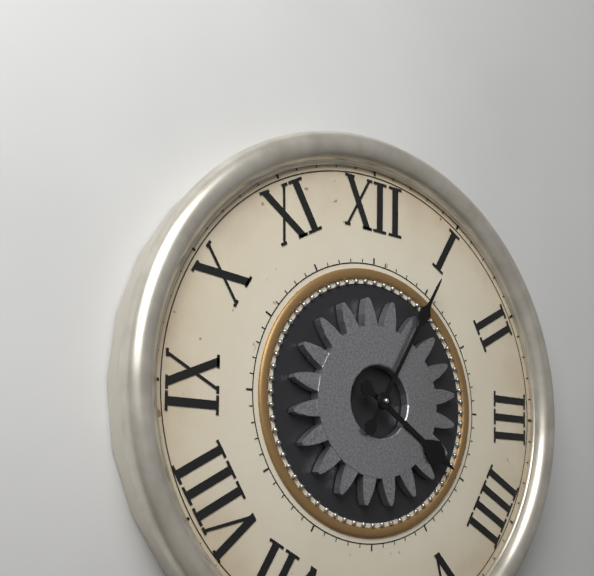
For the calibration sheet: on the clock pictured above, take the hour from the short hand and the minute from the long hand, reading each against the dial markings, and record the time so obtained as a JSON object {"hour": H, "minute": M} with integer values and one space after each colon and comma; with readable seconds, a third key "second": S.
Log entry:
{"hour": 4, "minute": 5}
